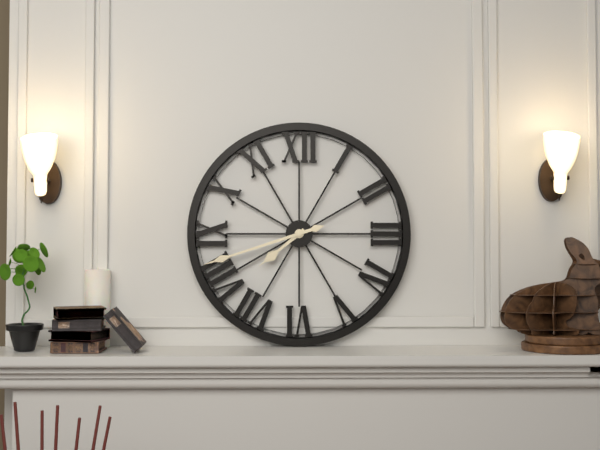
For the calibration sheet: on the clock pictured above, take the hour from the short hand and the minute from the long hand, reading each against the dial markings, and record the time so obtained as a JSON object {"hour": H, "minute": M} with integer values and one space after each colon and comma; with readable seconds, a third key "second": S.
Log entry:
{"hour": 7, "minute": 42}
